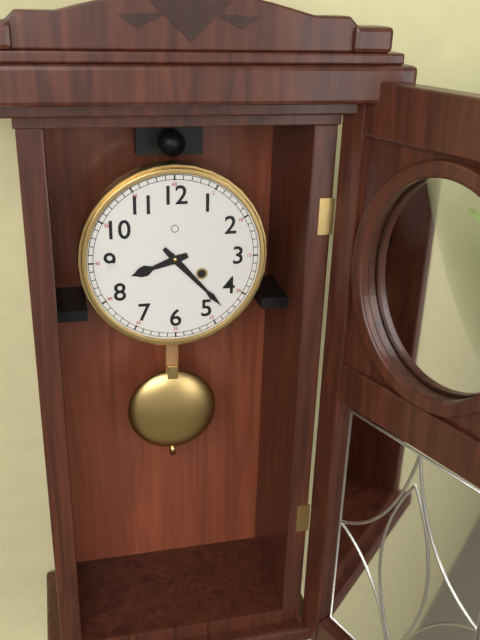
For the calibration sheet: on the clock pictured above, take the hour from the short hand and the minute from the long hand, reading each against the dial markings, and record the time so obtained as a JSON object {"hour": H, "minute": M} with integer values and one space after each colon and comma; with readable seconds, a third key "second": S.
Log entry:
{"hour": 8, "minute": 23}
